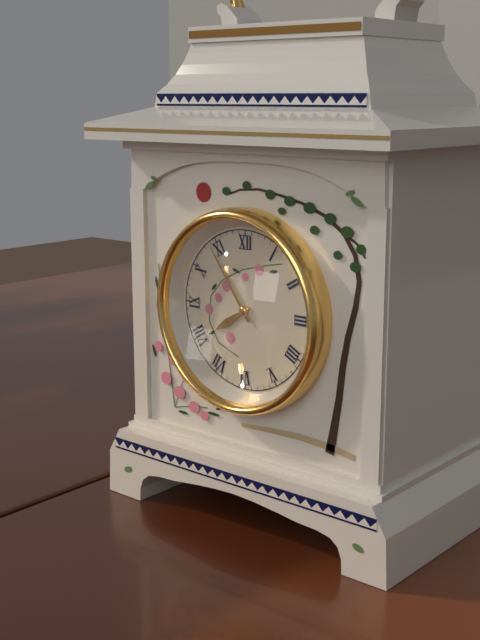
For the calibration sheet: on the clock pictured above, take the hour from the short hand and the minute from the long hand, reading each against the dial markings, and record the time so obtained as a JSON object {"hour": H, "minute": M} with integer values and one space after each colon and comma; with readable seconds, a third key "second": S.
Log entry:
{"hour": 7, "minute": 54}
